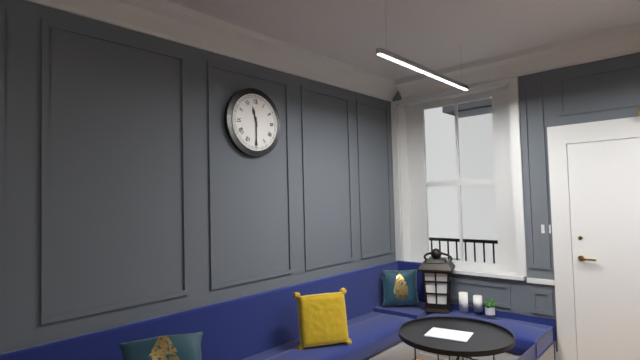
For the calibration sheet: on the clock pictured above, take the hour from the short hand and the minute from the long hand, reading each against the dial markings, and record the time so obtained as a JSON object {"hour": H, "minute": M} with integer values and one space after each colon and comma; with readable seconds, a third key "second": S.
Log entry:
{"hour": 11, "minute": 30}
